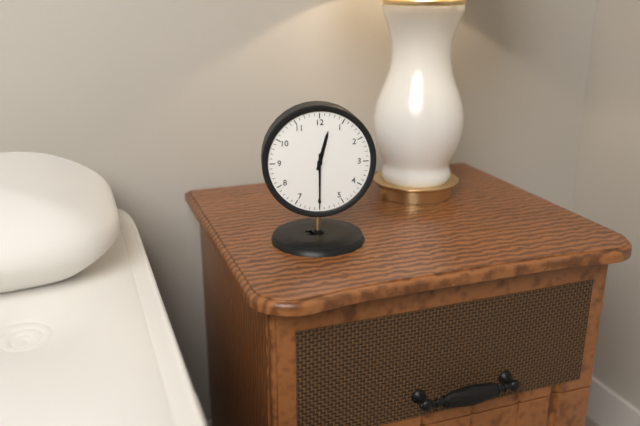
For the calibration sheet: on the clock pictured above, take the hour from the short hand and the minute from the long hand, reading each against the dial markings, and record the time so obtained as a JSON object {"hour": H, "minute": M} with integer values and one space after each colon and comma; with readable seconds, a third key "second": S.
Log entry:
{"hour": 12, "minute": 30}
